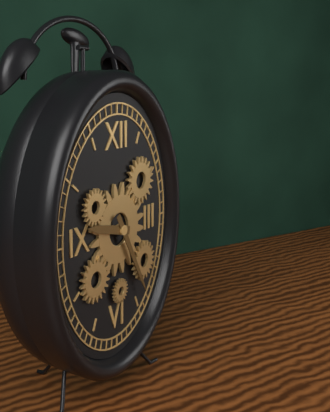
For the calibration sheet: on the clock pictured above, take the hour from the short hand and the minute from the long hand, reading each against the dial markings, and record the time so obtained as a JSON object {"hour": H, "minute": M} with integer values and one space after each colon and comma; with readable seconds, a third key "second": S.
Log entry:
{"hour": 9, "minute": 25}
